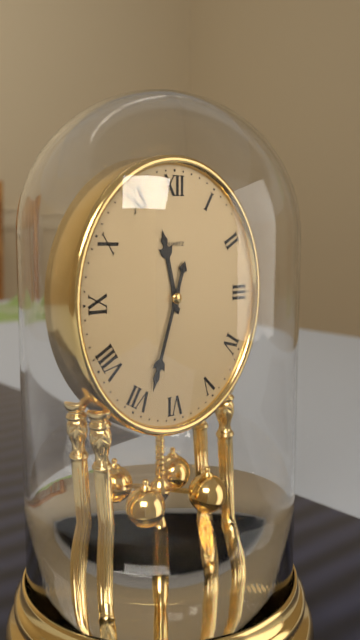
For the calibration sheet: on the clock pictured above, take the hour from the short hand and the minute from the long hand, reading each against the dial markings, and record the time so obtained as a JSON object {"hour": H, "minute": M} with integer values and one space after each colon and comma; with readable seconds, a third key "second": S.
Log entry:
{"hour": 11, "minute": 33}
